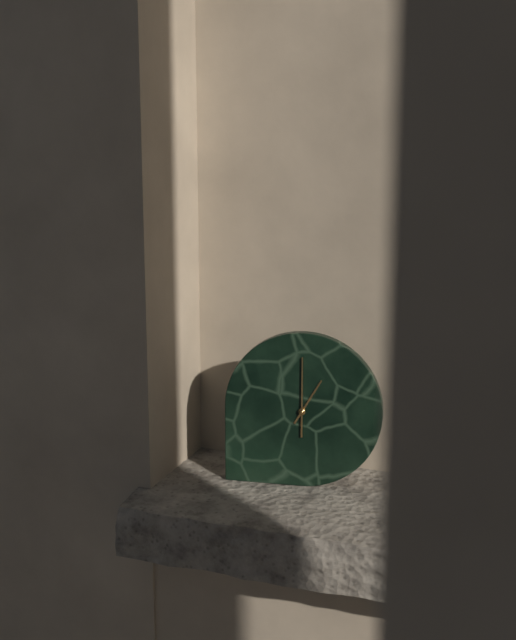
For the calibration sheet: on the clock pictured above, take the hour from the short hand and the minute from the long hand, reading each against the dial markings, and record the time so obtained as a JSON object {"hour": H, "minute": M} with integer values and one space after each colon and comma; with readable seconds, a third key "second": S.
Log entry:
{"hour": 1, "minute": 0}
